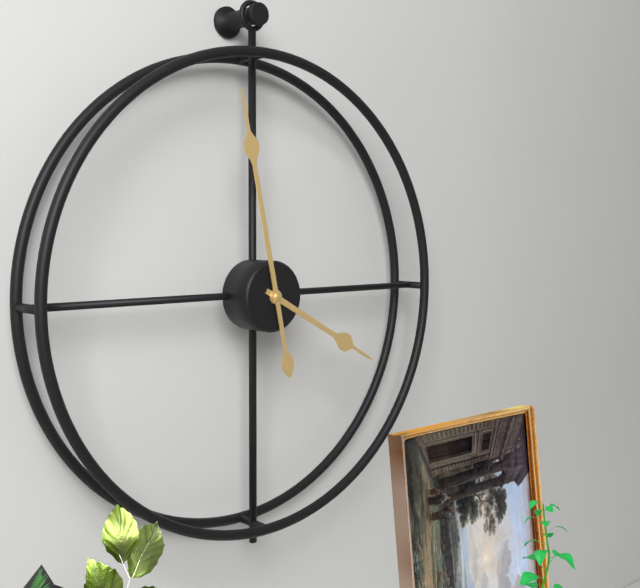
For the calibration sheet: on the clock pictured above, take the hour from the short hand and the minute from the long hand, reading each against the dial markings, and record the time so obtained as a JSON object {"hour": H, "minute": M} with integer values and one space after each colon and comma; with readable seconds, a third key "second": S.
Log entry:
{"hour": 3, "minute": 58}
